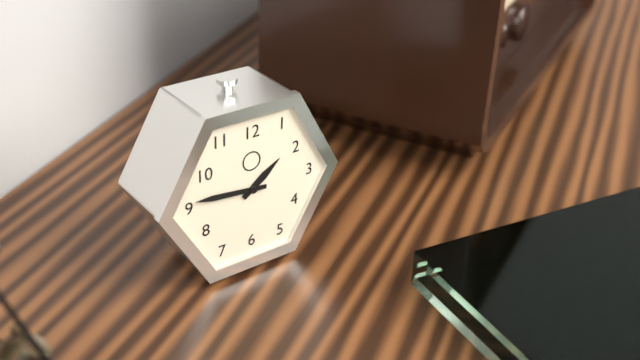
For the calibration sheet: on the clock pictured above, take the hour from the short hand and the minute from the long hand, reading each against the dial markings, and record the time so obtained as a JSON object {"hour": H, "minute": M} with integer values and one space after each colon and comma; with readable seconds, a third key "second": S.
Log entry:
{"hour": 1, "minute": 46}
